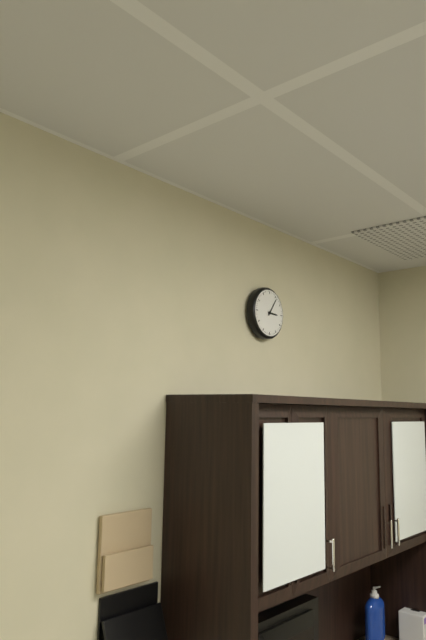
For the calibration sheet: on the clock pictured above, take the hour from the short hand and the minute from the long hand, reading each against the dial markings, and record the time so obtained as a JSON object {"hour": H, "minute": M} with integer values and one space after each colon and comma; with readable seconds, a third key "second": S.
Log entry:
{"hour": 3, "minute": 6}
